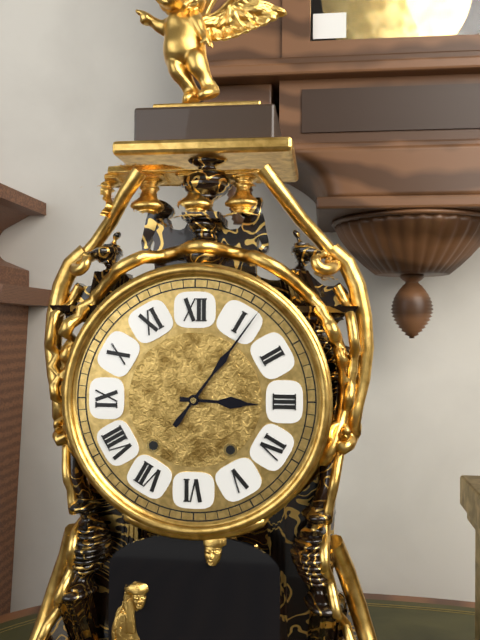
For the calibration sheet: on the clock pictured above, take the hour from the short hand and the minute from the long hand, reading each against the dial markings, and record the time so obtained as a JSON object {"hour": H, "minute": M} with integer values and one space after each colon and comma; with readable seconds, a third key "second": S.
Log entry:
{"hour": 3, "minute": 6}
